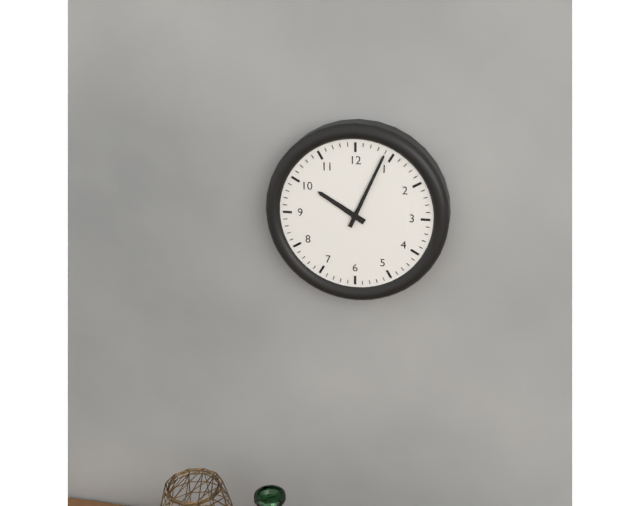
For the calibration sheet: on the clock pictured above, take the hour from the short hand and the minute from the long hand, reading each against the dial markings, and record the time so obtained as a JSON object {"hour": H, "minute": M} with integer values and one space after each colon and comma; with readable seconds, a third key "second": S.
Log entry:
{"hour": 10, "minute": 4}
